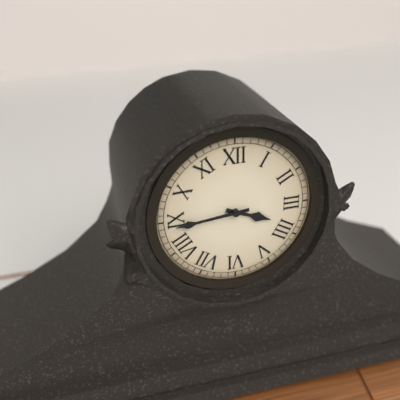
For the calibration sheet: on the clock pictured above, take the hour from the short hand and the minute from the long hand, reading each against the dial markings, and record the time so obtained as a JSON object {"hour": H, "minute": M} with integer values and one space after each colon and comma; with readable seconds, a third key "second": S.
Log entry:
{"hour": 3, "minute": 44}
